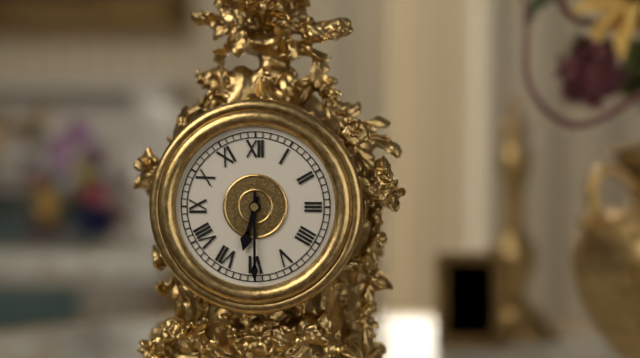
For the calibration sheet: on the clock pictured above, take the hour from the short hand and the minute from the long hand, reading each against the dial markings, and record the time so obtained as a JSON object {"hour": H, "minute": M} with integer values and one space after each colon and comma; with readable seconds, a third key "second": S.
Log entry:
{"hour": 6, "minute": 30}
